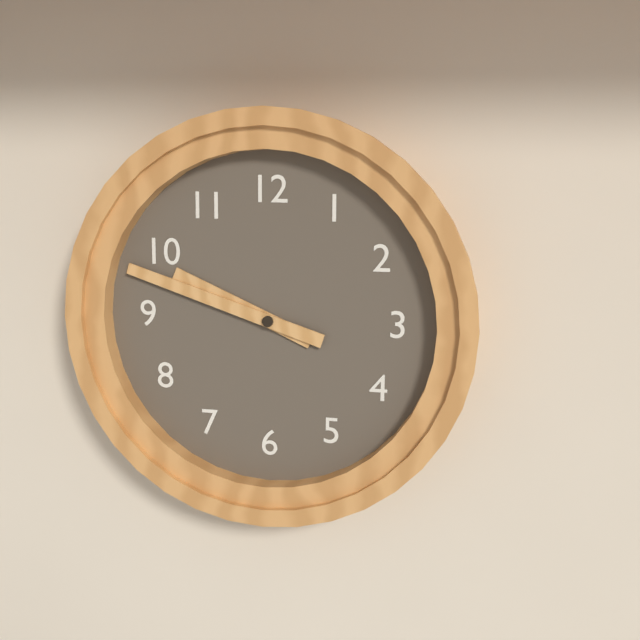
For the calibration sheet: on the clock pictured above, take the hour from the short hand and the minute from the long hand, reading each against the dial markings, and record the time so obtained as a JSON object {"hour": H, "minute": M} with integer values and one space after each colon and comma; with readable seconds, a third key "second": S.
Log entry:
{"hour": 9, "minute": 48}
